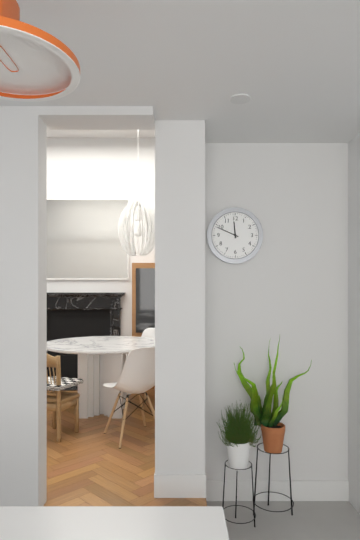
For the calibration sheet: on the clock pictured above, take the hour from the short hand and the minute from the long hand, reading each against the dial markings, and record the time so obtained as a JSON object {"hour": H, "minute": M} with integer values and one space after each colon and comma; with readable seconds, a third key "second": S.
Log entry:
{"hour": 11, "minute": 49}
